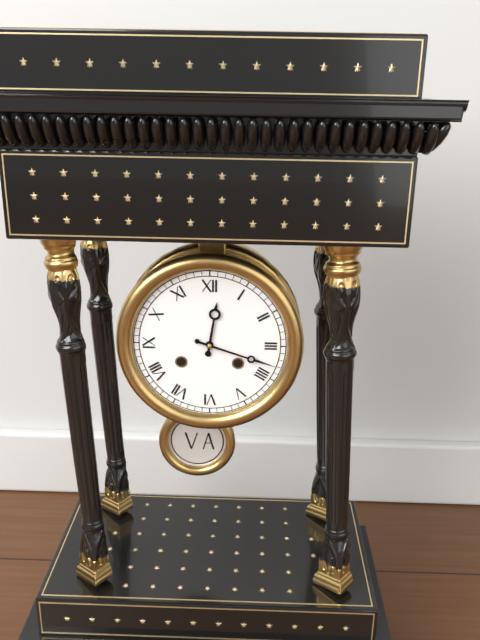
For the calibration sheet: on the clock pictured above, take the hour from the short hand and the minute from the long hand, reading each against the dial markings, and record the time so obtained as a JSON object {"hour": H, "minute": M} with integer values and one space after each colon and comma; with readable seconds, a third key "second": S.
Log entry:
{"hour": 12, "minute": 18}
